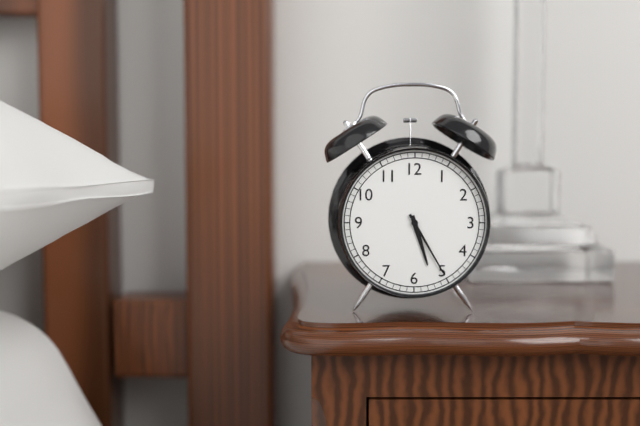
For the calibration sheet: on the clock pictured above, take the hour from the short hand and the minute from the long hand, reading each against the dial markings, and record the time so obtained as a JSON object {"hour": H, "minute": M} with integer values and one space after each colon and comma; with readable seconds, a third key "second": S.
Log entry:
{"hour": 5, "minute": 25}
